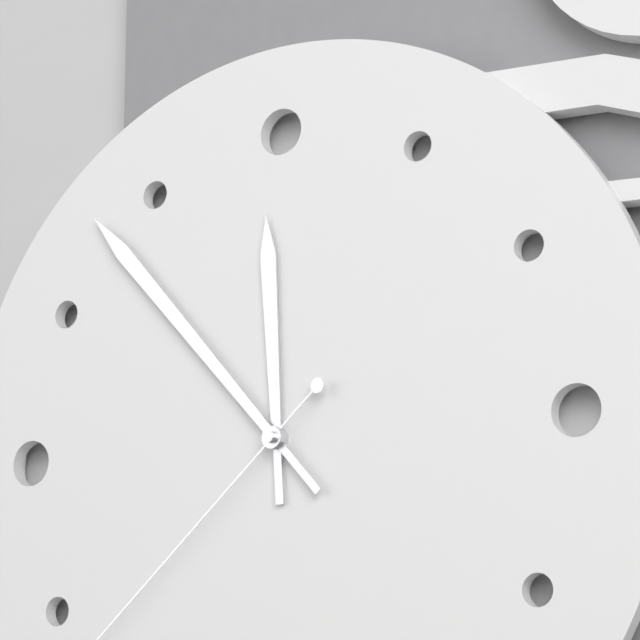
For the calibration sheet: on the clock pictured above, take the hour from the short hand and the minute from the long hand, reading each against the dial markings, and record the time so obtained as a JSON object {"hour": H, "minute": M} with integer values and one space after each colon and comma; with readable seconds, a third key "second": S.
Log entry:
{"hour": 11, "minute": 53}
